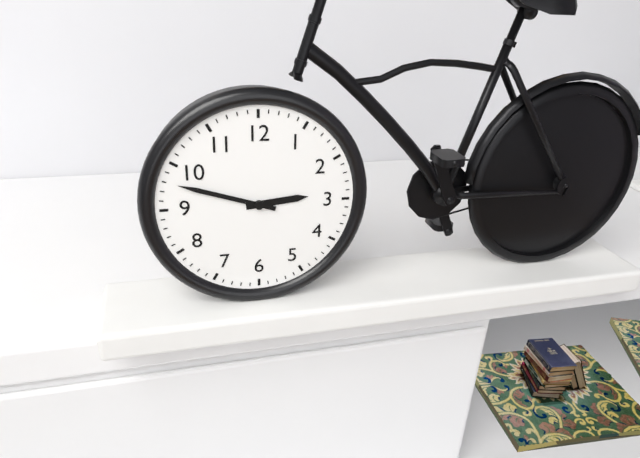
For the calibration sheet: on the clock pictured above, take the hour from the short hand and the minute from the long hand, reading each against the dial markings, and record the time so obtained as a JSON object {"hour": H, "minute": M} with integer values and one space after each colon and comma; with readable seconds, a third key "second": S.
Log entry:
{"hour": 2, "minute": 48}
